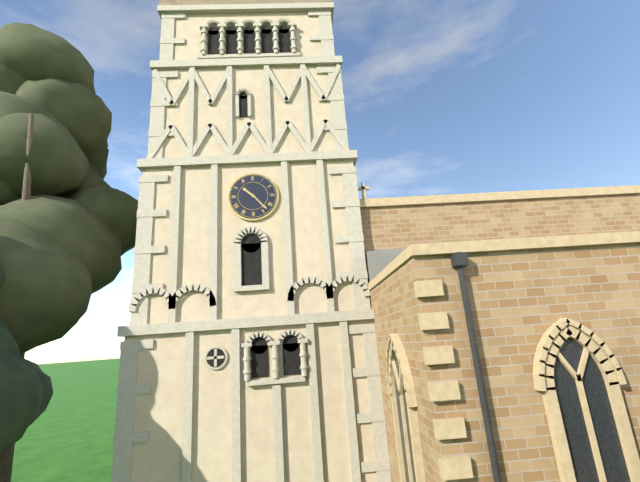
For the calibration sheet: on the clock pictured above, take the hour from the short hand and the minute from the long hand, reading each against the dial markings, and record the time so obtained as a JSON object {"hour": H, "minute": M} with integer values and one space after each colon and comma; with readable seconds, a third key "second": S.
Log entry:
{"hour": 10, "minute": 23}
